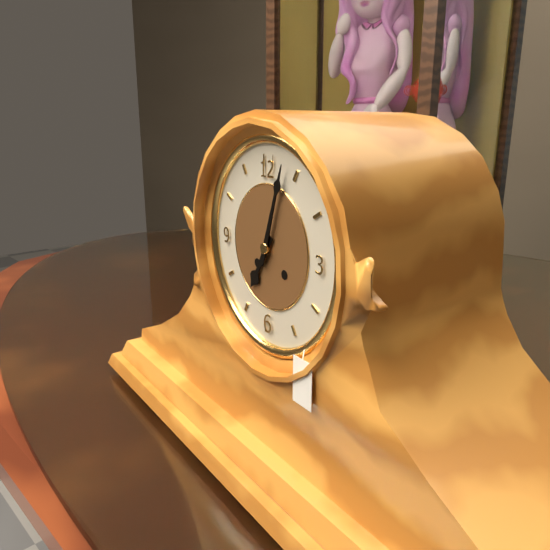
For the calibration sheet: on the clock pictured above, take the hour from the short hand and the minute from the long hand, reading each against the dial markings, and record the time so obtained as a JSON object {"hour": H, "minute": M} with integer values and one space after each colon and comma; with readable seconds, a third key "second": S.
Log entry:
{"hour": 7, "minute": 3}
